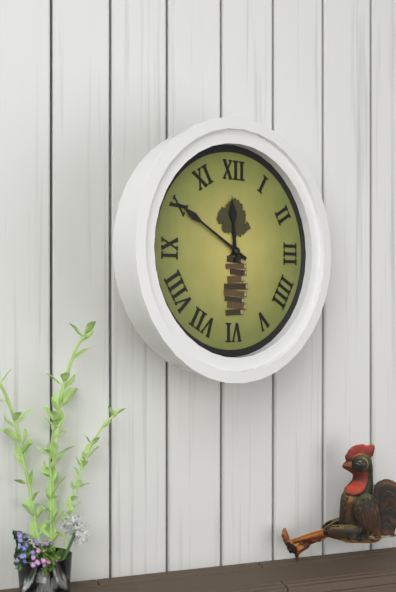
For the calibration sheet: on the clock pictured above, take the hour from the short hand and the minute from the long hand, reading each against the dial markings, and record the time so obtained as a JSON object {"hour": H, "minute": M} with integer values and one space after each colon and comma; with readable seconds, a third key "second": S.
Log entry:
{"hour": 11, "minute": 50}
